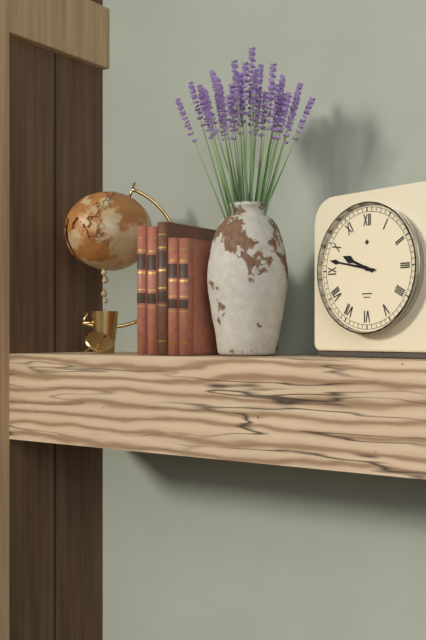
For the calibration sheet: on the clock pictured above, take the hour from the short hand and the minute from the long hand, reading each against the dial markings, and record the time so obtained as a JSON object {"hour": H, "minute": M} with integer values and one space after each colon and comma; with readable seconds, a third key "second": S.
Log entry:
{"hour": 9, "minute": 47}
